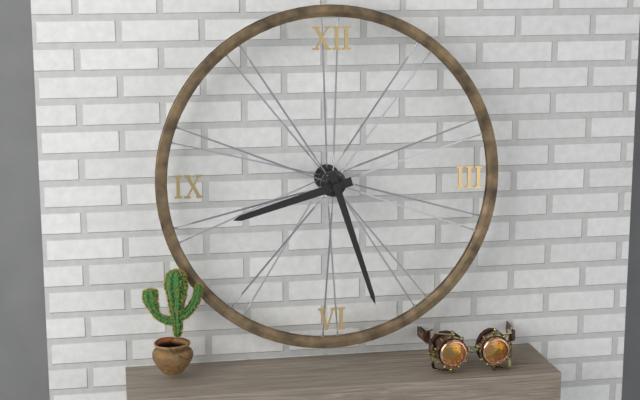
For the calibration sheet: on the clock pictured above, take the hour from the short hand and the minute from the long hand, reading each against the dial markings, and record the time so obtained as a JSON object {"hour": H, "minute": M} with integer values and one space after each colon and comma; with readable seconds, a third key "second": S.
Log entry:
{"hour": 8, "minute": 27}
